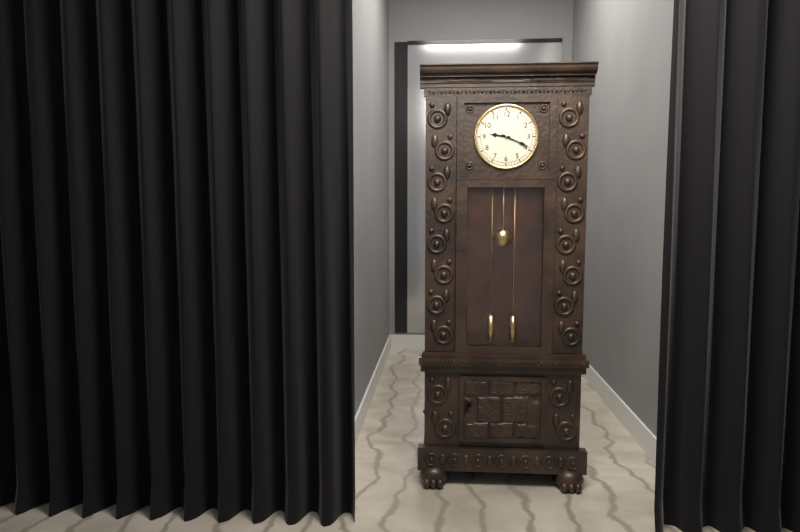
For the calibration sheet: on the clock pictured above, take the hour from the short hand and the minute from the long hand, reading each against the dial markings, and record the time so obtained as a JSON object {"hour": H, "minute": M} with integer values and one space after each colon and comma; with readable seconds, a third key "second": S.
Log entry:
{"hour": 9, "minute": 19}
